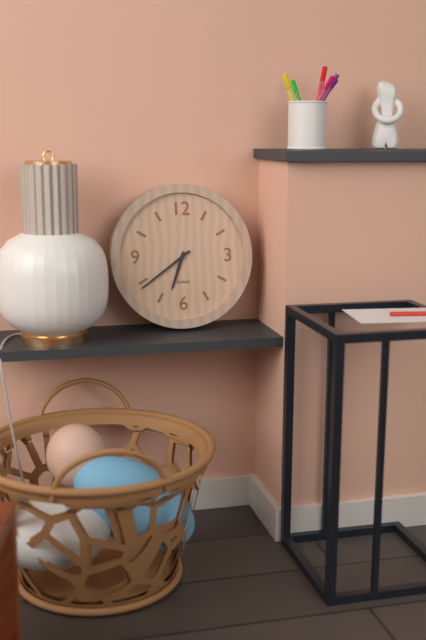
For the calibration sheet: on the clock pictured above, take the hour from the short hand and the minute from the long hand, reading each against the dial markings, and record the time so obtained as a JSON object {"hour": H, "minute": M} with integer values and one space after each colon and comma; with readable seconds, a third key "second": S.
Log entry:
{"hour": 6, "minute": 39}
